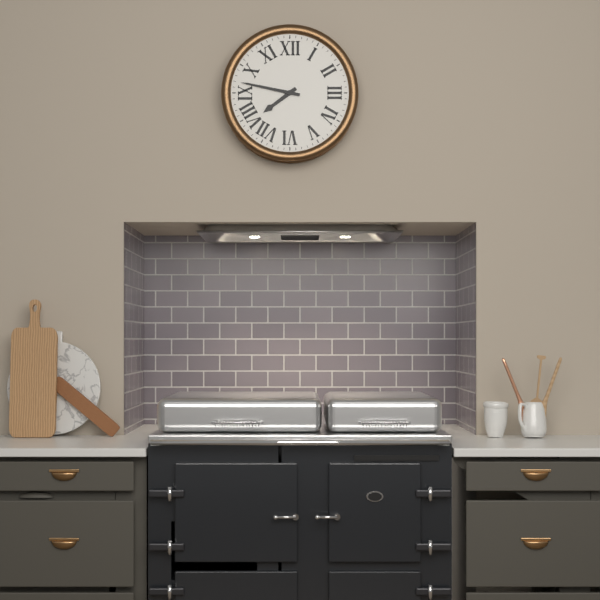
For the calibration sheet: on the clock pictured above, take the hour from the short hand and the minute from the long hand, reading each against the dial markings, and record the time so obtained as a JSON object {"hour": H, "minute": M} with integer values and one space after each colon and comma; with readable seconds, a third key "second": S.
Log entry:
{"hour": 7, "minute": 47}
